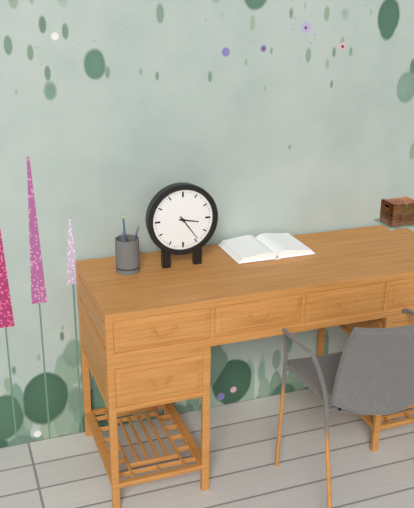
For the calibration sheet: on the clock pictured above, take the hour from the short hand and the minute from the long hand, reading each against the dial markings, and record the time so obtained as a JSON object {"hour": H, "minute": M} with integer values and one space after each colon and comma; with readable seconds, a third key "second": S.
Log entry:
{"hour": 3, "minute": 24}
